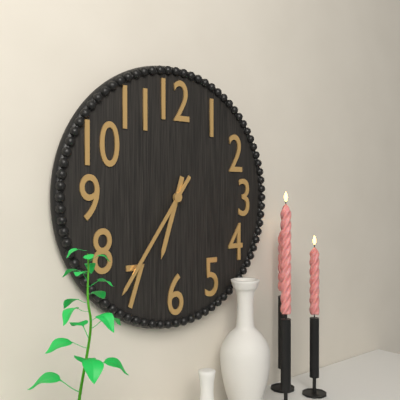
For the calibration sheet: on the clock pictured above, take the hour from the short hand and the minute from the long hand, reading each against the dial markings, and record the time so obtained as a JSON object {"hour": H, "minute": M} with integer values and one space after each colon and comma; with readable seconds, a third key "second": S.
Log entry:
{"hour": 6, "minute": 36}
